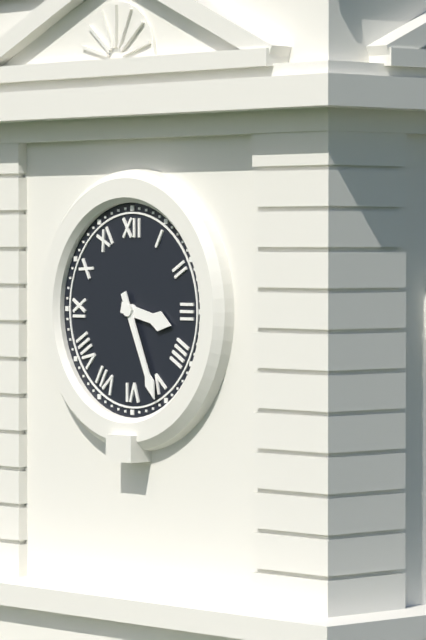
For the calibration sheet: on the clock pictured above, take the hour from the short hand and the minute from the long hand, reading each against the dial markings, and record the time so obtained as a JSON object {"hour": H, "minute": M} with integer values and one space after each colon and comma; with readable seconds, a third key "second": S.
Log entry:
{"hour": 3, "minute": 26}
